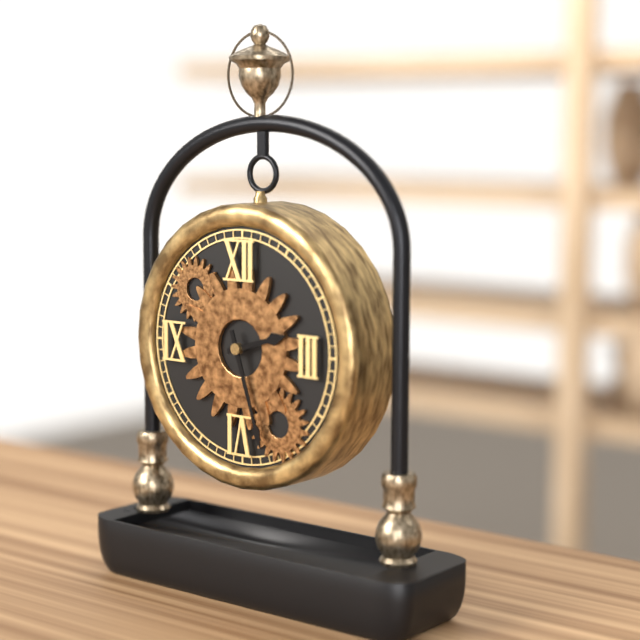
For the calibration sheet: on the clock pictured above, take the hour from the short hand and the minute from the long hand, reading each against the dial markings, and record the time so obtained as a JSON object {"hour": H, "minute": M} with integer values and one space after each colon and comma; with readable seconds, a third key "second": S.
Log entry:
{"hour": 2, "minute": 27}
